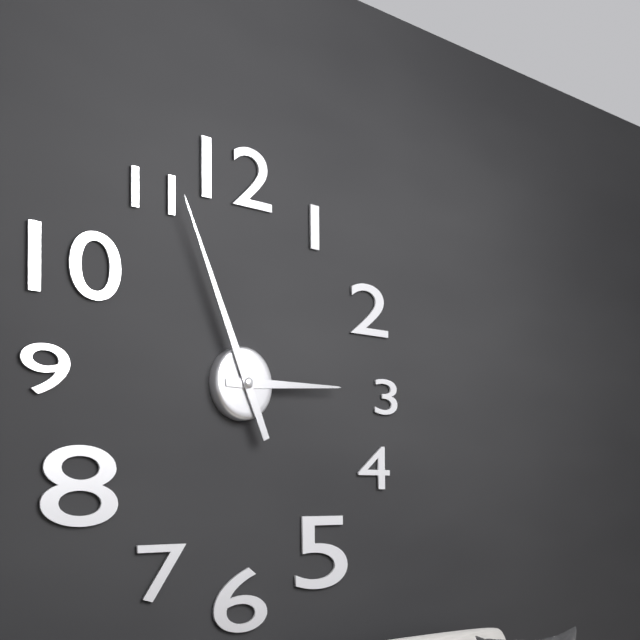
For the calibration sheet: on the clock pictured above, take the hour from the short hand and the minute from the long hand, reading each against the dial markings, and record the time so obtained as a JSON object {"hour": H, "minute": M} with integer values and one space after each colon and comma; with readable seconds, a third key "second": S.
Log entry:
{"hour": 2, "minute": 56}
